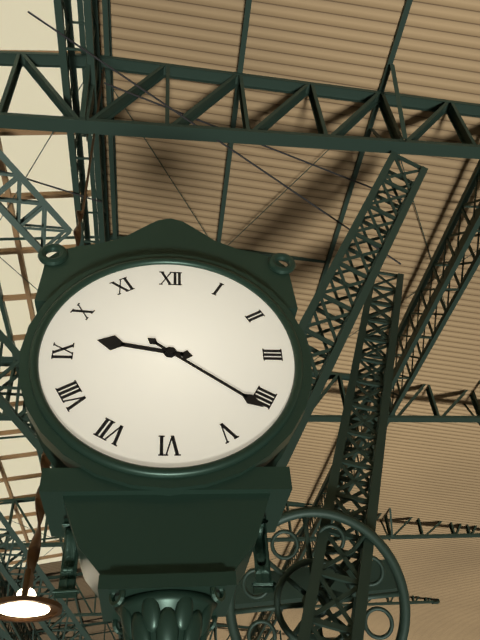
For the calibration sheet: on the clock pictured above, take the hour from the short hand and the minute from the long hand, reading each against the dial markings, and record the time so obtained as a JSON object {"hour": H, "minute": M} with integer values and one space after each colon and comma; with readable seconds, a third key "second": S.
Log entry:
{"hour": 9, "minute": 21}
